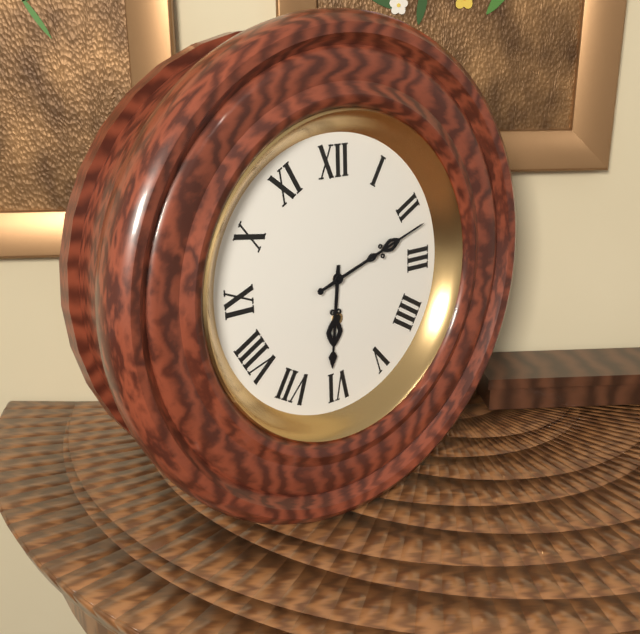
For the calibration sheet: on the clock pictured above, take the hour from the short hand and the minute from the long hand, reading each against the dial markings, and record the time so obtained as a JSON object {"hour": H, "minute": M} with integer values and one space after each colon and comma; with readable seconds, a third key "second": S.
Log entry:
{"hour": 6, "minute": 12}
